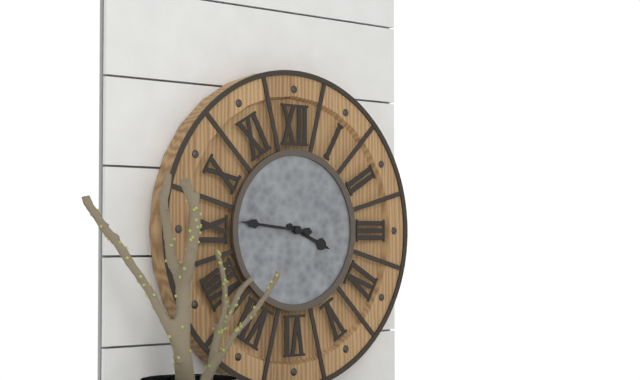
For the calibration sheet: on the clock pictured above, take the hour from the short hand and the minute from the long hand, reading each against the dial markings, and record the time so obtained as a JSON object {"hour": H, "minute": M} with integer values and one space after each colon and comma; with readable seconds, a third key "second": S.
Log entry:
{"hour": 3, "minute": 46}
